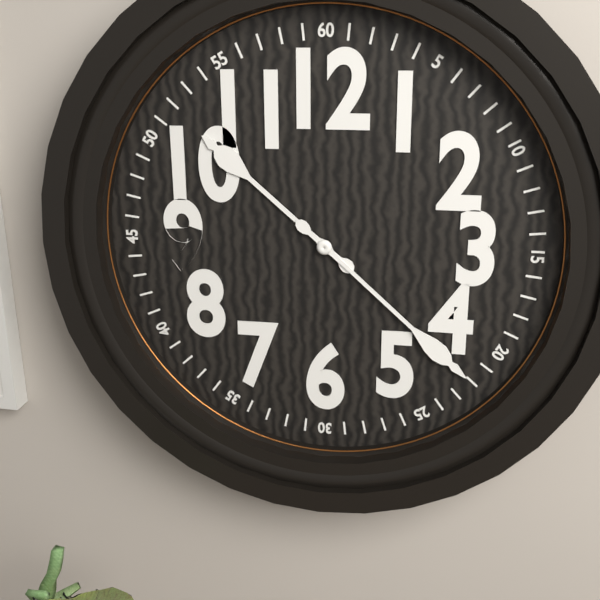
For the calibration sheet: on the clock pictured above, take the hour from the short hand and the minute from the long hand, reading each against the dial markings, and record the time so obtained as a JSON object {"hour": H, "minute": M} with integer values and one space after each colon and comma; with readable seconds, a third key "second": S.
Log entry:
{"hour": 10, "minute": 22}
